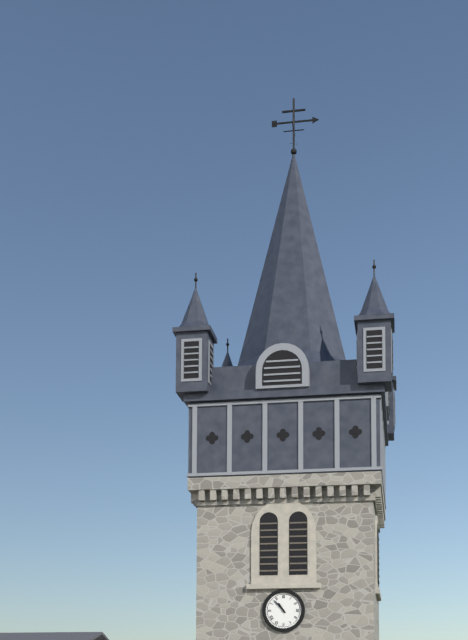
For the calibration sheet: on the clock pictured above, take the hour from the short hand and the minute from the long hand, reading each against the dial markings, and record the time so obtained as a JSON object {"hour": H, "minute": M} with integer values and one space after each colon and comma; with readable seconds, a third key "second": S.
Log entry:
{"hour": 10, "minute": 53}
